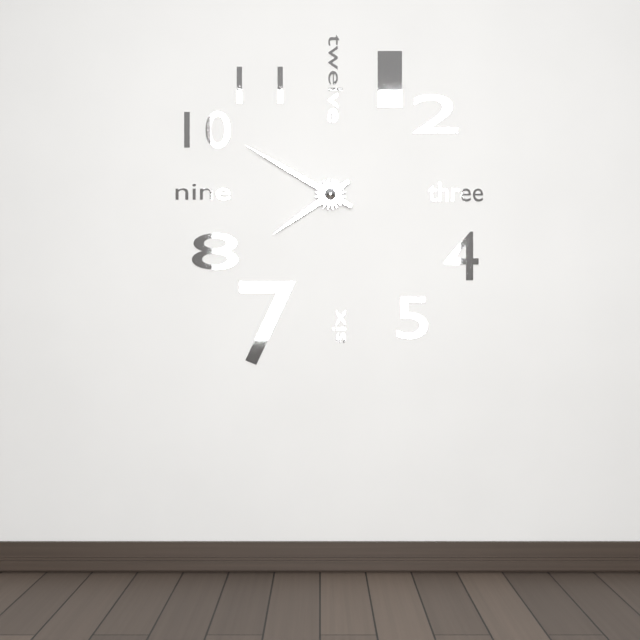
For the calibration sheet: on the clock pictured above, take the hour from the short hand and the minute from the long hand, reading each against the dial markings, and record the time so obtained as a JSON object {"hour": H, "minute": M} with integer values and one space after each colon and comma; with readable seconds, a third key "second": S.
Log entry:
{"hour": 7, "minute": 50}
